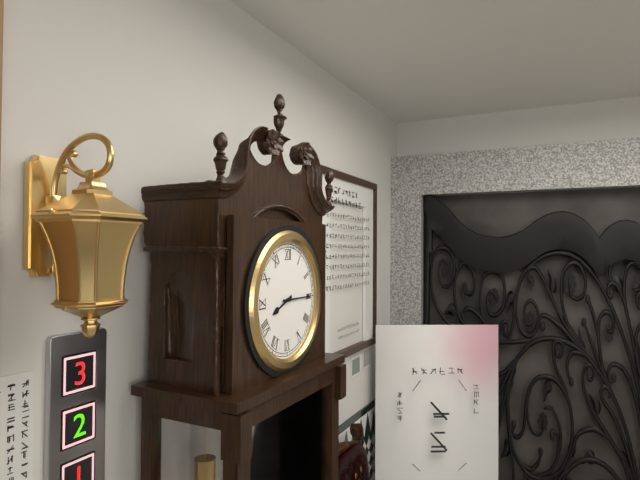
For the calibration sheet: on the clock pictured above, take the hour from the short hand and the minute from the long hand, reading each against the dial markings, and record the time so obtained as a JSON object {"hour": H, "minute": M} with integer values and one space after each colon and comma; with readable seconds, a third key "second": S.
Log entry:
{"hour": 8, "minute": 15}
